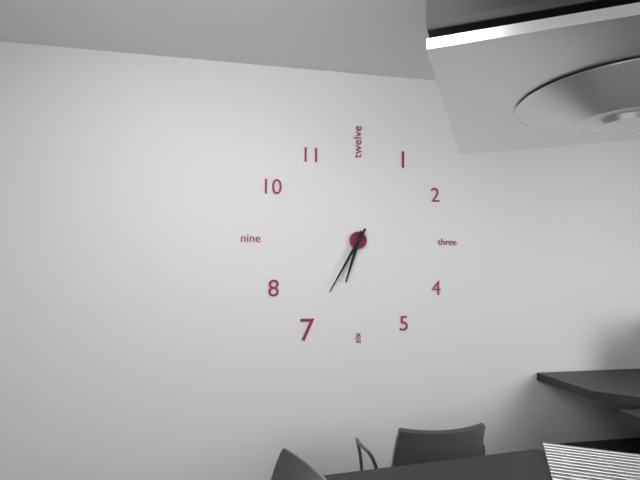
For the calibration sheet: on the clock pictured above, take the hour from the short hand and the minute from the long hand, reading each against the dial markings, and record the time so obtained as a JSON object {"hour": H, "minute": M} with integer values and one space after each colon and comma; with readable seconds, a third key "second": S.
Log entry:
{"hour": 6, "minute": 35}
